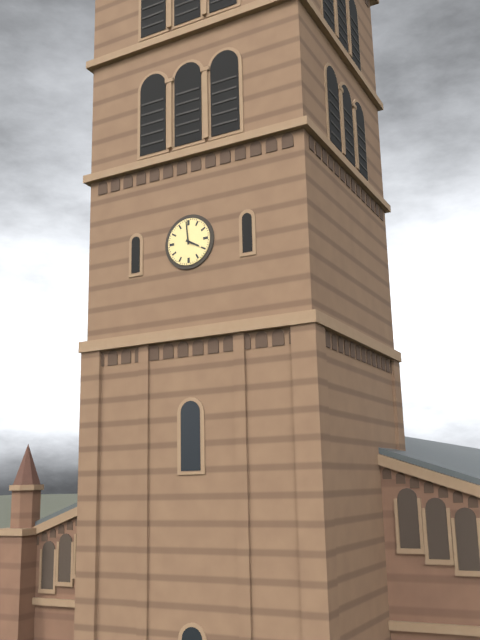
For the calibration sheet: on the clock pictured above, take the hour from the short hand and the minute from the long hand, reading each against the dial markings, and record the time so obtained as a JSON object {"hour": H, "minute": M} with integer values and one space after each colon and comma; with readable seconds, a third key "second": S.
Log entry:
{"hour": 3, "minute": 59}
